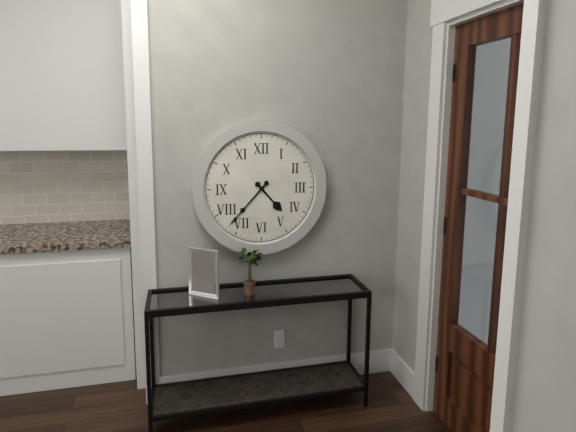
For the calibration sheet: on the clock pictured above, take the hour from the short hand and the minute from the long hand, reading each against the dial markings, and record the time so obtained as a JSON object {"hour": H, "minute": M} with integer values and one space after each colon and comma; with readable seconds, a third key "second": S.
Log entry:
{"hour": 4, "minute": 37}
